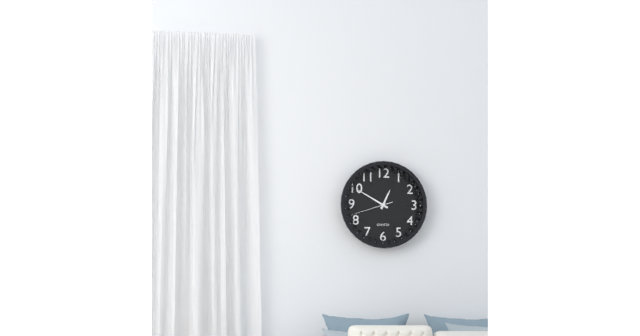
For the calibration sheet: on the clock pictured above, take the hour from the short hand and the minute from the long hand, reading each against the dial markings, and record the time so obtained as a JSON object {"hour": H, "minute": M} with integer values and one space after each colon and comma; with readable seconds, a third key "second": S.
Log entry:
{"hour": 12, "minute": 50}
